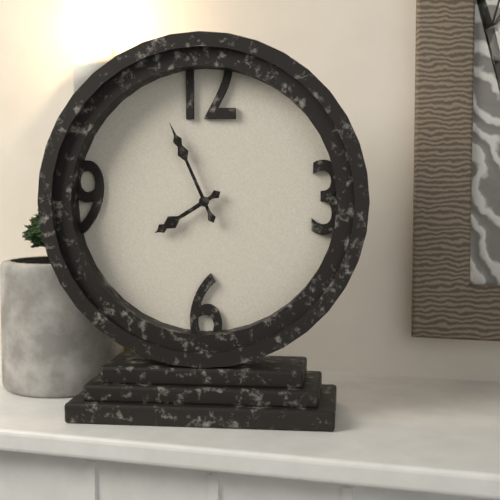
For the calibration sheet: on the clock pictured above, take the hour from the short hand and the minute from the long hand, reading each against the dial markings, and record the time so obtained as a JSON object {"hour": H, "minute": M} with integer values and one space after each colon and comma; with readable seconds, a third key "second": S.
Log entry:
{"hour": 7, "minute": 56}
